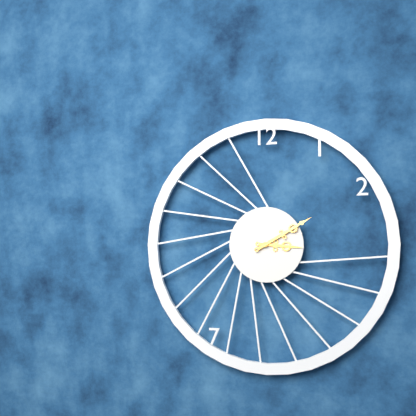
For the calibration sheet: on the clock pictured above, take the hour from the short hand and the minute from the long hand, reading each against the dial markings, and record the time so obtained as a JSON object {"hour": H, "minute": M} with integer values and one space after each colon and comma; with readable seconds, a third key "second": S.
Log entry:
{"hour": 3, "minute": 10}
